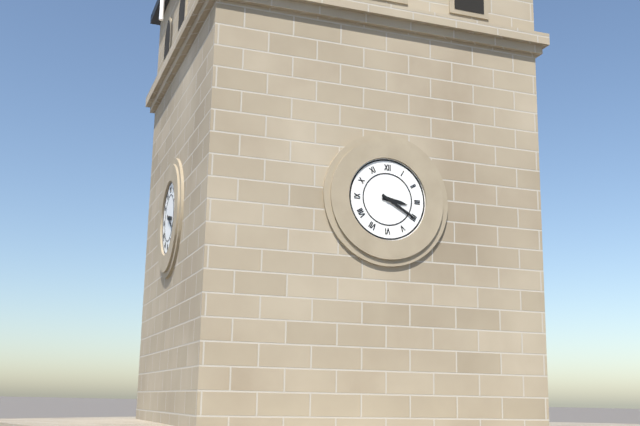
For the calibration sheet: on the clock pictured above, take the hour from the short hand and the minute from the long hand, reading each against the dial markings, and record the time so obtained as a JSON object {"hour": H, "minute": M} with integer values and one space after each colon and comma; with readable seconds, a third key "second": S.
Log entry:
{"hour": 3, "minute": 20}
